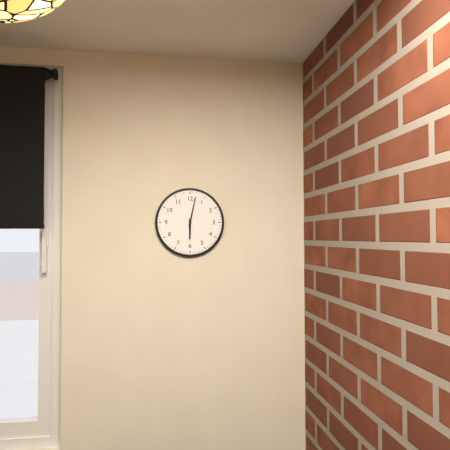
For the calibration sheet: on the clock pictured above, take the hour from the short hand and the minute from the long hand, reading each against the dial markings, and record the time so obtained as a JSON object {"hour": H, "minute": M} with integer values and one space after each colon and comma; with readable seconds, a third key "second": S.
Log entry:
{"hour": 6, "minute": 2}
